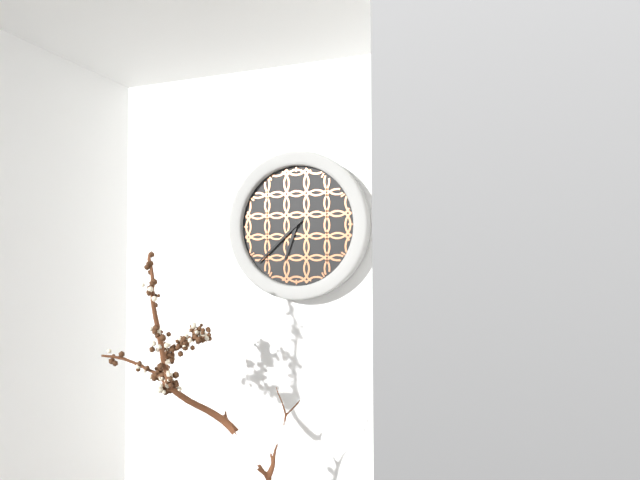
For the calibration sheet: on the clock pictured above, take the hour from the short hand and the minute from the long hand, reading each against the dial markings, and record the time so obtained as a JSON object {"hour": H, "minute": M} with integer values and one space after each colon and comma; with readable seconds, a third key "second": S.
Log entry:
{"hour": 6, "minute": 38}
